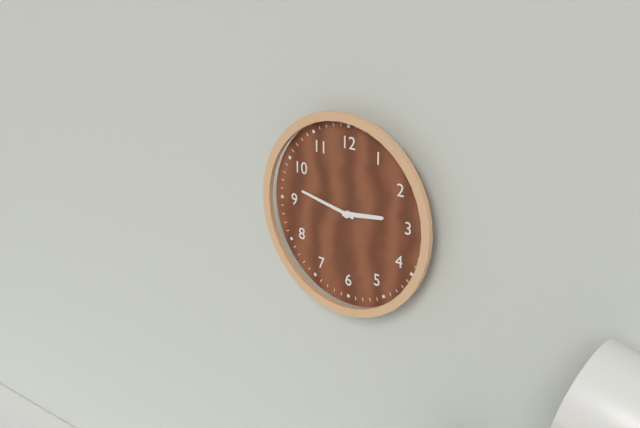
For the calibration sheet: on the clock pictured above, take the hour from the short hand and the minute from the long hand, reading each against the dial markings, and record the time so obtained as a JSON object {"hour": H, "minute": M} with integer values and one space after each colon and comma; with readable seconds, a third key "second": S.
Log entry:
{"hour": 2, "minute": 47}
